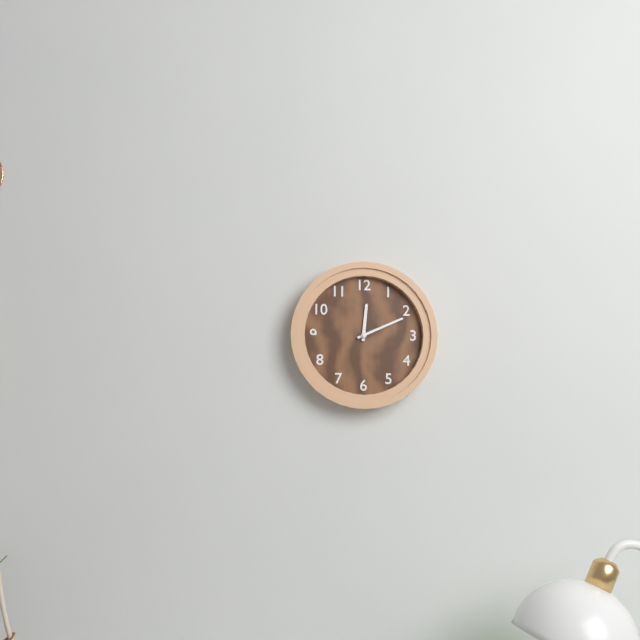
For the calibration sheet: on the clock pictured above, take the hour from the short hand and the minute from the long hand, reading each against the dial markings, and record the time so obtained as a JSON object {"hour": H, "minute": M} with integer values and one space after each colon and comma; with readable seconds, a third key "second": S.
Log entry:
{"hour": 12, "minute": 11}
